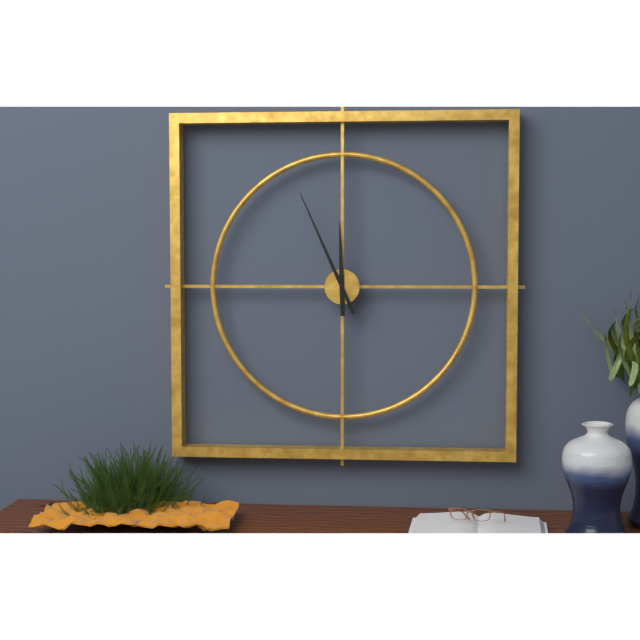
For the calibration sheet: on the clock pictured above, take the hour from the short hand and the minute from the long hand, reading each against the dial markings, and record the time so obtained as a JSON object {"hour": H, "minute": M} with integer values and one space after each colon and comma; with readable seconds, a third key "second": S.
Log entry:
{"hour": 11, "minute": 56}
